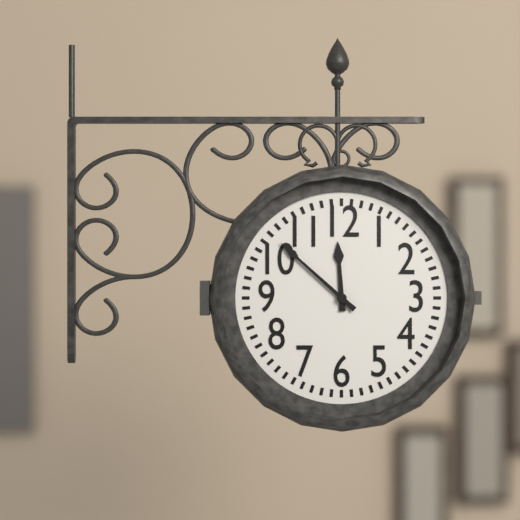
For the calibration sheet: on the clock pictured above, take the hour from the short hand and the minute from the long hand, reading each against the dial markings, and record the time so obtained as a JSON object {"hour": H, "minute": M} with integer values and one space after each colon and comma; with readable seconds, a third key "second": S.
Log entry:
{"hour": 11, "minute": 52}
